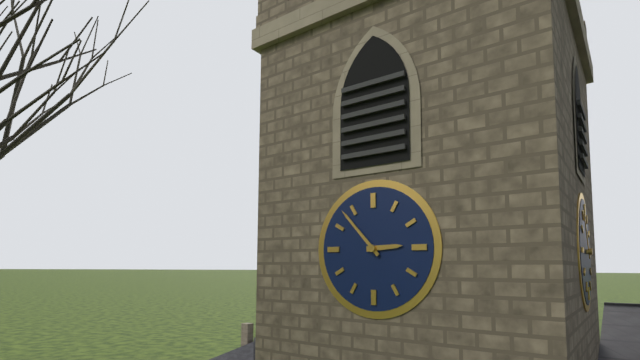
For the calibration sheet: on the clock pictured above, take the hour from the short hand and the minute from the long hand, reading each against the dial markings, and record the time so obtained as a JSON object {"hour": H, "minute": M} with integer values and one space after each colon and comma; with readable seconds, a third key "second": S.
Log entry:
{"hour": 2, "minute": 53}
